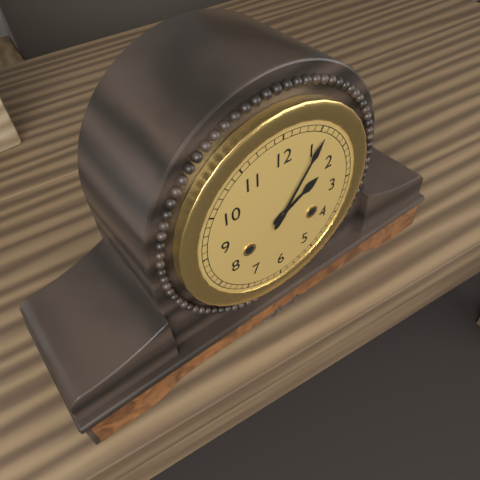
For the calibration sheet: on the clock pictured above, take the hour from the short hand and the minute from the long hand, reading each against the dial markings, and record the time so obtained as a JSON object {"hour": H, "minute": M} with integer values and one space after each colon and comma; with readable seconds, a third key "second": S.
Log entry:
{"hour": 2, "minute": 6}
